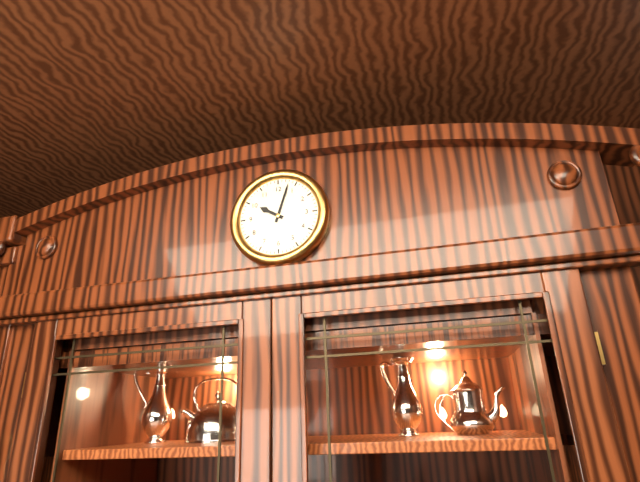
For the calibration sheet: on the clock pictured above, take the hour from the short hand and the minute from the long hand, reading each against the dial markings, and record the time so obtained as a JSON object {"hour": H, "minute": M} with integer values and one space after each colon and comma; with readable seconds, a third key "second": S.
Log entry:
{"hour": 10, "minute": 3}
